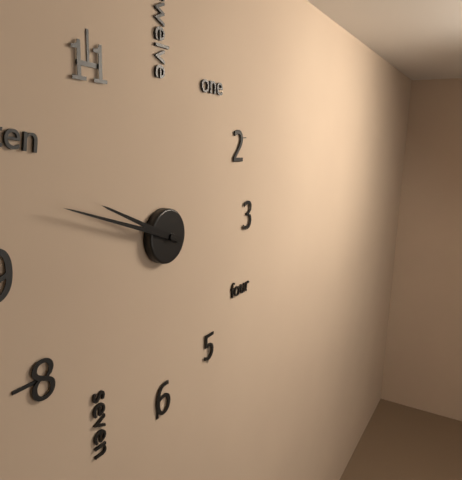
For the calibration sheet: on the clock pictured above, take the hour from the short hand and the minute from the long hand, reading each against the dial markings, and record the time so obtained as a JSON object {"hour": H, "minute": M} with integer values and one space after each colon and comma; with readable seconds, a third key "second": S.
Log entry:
{"hour": 9, "minute": 48}
